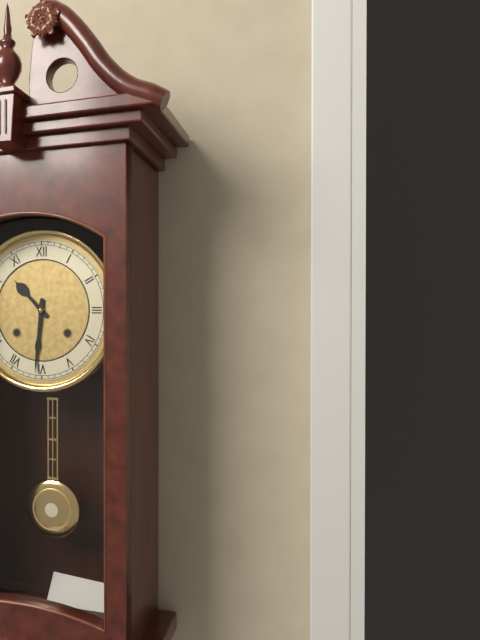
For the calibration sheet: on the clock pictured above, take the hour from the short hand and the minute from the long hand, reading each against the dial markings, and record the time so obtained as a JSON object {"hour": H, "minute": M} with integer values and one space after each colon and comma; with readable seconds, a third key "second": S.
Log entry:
{"hour": 10, "minute": 31}
